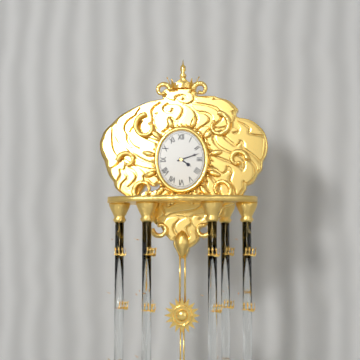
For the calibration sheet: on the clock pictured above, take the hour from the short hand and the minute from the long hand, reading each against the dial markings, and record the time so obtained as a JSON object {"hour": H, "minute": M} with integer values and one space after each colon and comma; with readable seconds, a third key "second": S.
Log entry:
{"hour": 4, "minute": 12}
